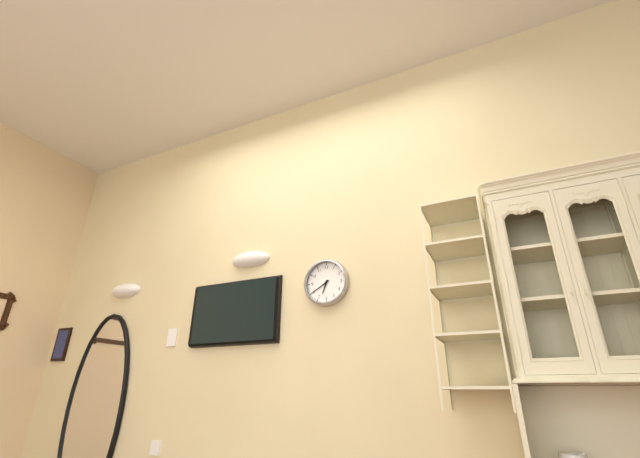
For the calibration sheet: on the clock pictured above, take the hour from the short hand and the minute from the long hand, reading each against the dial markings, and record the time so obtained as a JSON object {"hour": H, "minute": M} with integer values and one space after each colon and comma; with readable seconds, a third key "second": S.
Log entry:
{"hour": 6, "minute": 40}
